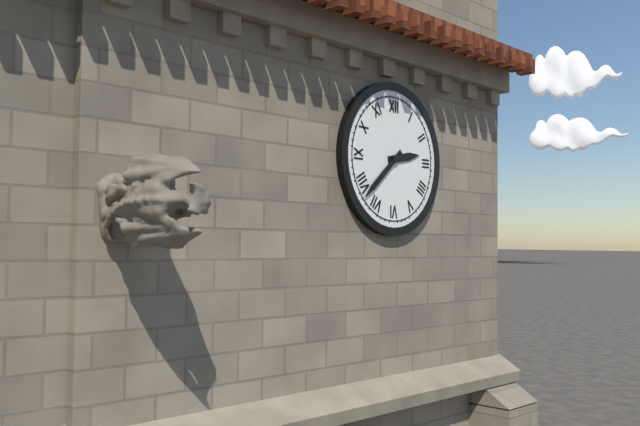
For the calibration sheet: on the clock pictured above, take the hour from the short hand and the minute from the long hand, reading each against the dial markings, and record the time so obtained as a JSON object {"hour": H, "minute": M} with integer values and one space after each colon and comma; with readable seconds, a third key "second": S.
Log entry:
{"hour": 2, "minute": 38}
